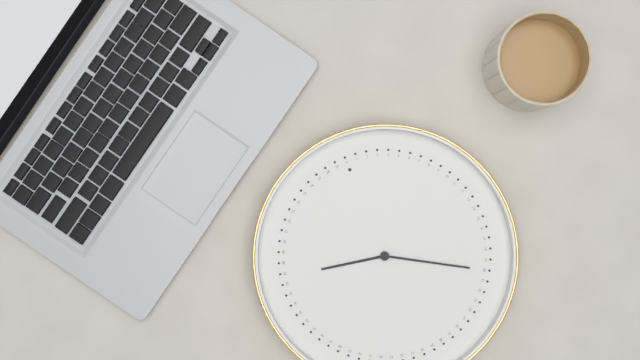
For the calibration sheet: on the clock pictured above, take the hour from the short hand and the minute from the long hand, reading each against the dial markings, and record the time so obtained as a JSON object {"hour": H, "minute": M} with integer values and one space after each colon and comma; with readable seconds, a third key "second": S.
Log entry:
{"hour": 9, "minute": 20}
